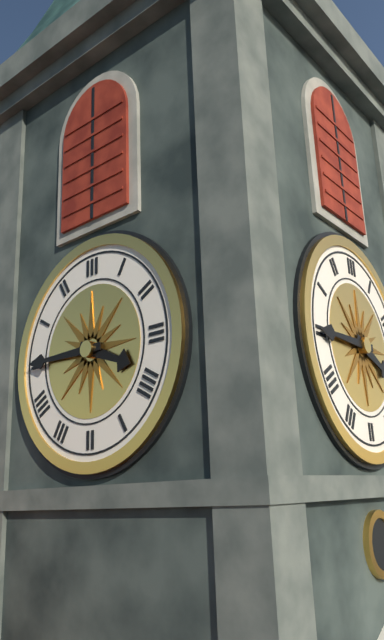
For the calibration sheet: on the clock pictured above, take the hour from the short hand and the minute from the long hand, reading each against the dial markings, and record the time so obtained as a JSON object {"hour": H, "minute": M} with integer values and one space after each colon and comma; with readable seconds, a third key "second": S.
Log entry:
{"hour": 3, "minute": 45}
